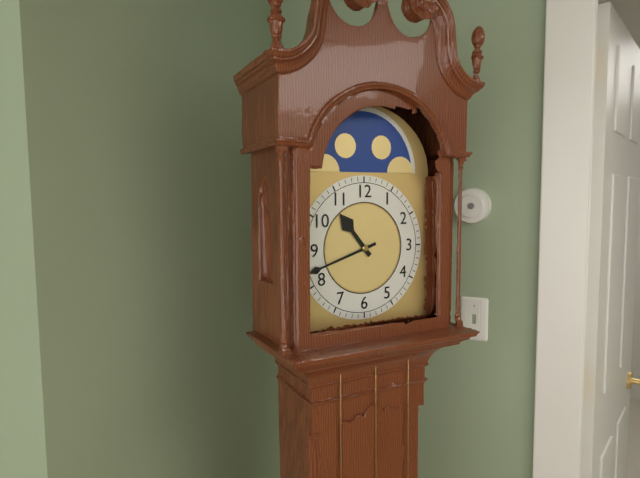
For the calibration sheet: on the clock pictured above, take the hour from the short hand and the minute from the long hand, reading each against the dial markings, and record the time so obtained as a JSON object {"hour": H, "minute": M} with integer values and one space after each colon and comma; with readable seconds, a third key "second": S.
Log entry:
{"hour": 10, "minute": 42}
